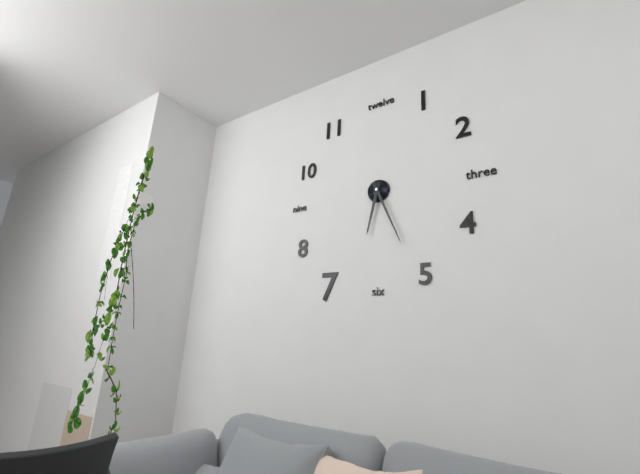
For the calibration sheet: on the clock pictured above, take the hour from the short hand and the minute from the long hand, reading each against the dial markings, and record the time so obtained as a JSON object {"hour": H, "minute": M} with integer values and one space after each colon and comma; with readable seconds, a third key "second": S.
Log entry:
{"hour": 6, "minute": 26}
